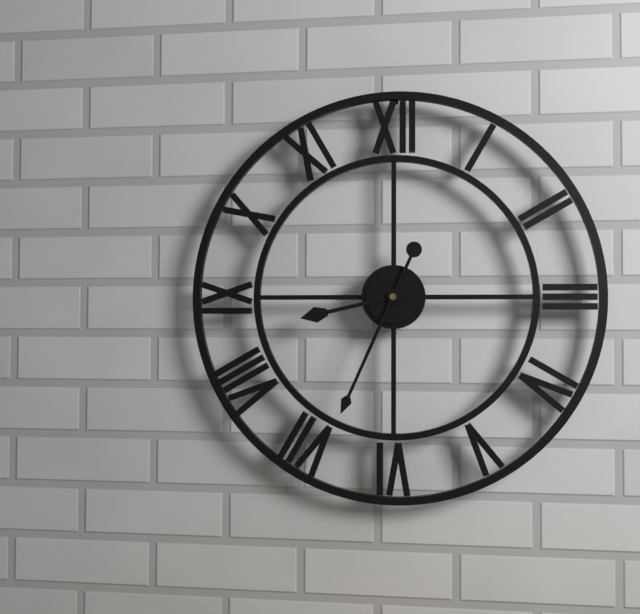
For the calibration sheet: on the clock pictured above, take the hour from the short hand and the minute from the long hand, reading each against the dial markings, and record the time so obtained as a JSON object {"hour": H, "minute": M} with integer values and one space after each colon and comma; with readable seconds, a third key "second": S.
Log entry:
{"hour": 8, "minute": 34}
